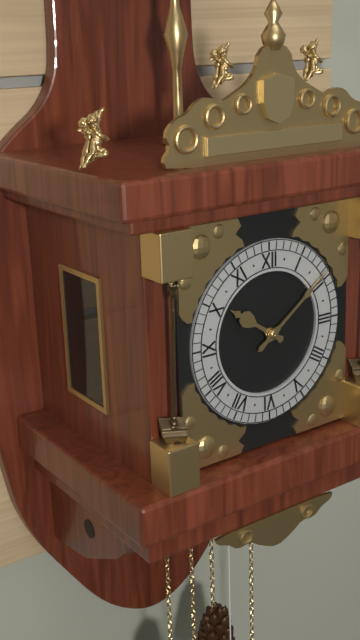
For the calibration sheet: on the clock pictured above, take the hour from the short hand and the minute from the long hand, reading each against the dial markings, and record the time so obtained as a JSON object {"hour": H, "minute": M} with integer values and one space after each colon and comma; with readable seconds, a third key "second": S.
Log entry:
{"hour": 10, "minute": 9}
